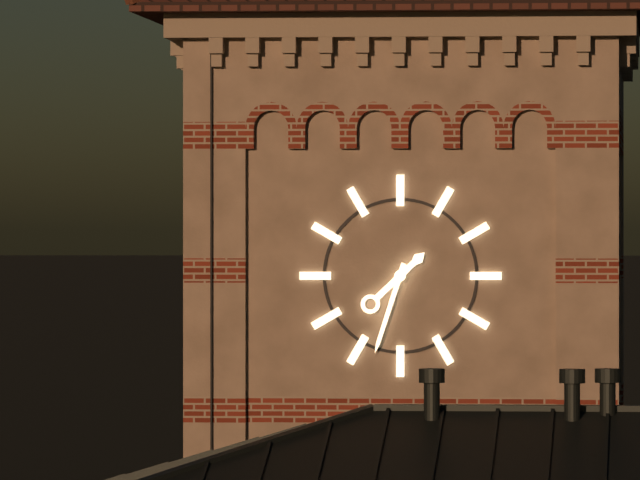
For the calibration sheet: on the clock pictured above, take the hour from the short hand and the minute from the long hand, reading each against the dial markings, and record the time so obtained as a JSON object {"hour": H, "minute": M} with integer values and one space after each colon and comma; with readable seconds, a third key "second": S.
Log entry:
{"hour": 1, "minute": 33}
